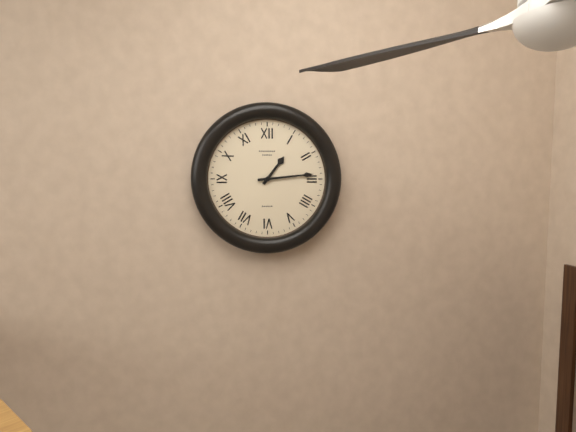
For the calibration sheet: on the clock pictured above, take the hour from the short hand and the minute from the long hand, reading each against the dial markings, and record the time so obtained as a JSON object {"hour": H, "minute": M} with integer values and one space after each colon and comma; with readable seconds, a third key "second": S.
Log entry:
{"hour": 1, "minute": 14}
